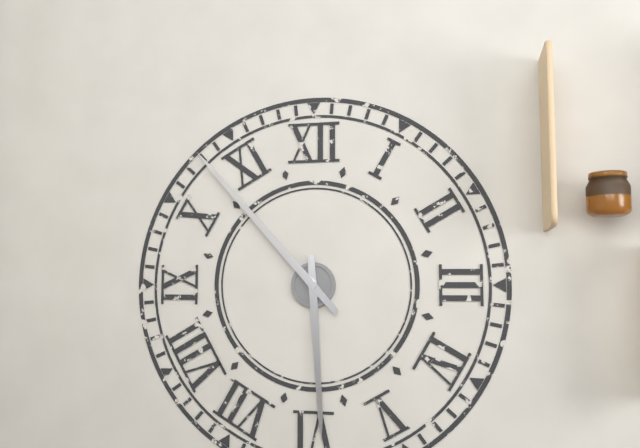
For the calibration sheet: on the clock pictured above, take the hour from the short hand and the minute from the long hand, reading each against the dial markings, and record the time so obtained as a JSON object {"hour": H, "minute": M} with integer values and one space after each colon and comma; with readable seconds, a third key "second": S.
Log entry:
{"hour": 5, "minute": 53}
